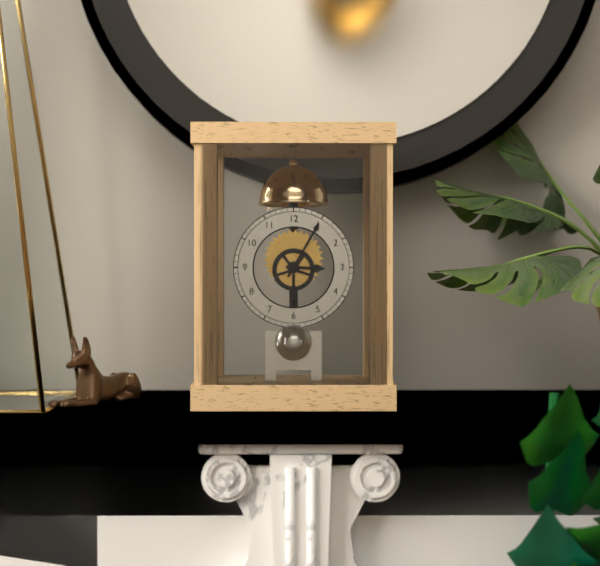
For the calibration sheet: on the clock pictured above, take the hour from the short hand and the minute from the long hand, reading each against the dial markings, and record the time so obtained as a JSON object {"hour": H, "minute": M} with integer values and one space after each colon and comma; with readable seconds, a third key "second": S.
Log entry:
{"hour": 3, "minute": 5}
